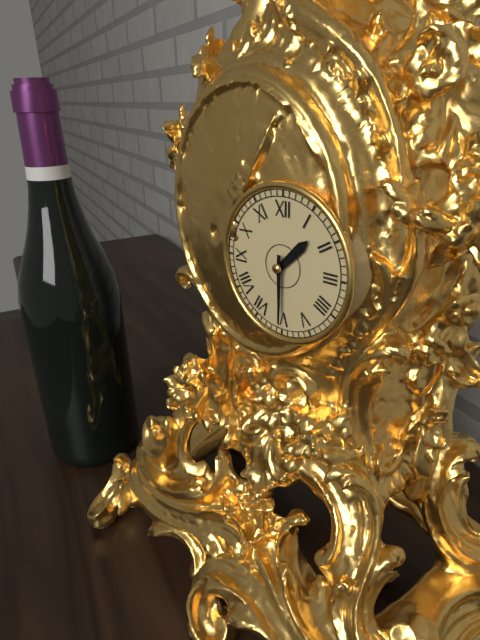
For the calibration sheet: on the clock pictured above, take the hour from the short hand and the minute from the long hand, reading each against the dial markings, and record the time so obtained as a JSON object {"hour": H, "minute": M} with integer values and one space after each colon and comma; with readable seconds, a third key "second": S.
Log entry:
{"hour": 1, "minute": 30}
